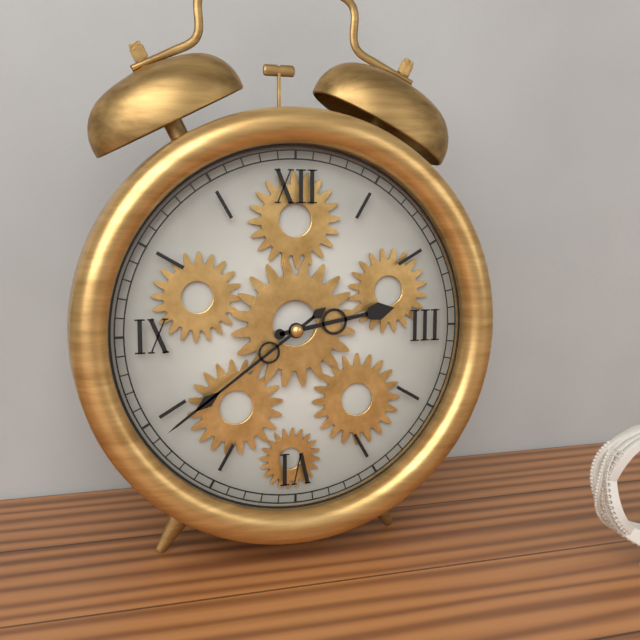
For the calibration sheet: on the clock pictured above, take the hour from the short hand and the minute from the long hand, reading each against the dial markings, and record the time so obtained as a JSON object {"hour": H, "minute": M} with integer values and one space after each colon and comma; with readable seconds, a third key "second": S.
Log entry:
{"hour": 2, "minute": 39}
